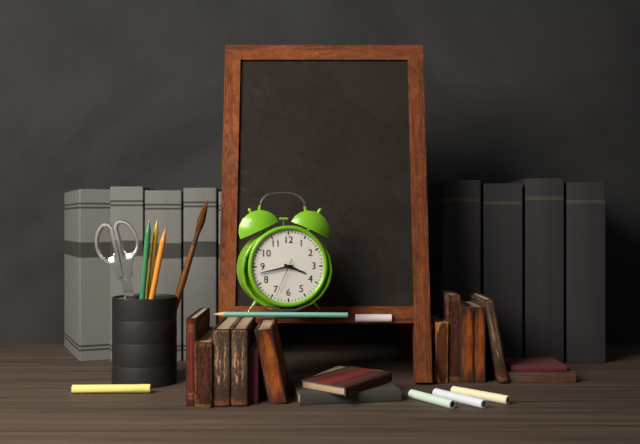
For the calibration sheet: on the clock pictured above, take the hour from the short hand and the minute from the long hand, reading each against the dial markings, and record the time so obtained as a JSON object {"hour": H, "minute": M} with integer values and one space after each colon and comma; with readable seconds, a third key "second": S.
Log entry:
{"hour": 3, "minute": 43}
